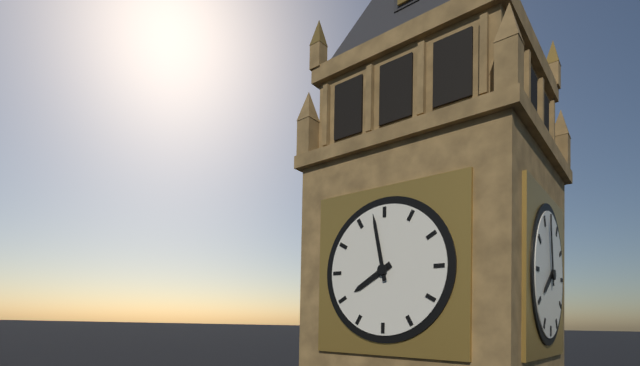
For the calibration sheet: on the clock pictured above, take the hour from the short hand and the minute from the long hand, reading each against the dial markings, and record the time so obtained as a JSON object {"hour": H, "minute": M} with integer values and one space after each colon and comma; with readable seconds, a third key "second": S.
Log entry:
{"hour": 7, "minute": 58}
